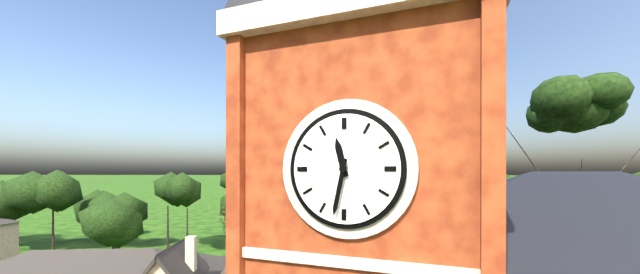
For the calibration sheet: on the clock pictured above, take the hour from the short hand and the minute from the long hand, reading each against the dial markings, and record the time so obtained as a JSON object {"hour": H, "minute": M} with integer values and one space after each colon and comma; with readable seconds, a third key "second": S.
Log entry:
{"hour": 11, "minute": 32}
